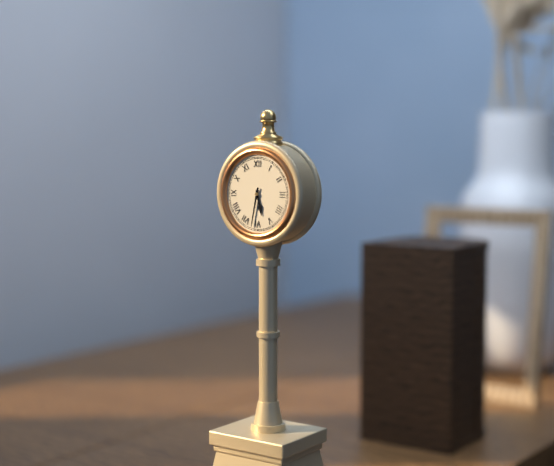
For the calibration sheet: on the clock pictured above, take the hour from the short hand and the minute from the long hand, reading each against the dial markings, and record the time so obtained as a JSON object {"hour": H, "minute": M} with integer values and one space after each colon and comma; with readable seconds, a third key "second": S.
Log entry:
{"hour": 5, "minute": 32}
